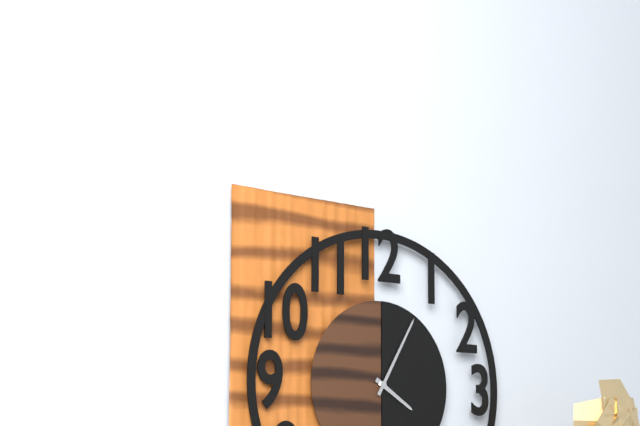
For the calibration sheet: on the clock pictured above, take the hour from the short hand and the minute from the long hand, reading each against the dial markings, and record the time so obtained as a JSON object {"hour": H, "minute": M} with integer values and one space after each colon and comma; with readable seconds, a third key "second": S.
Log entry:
{"hour": 4, "minute": 5}
